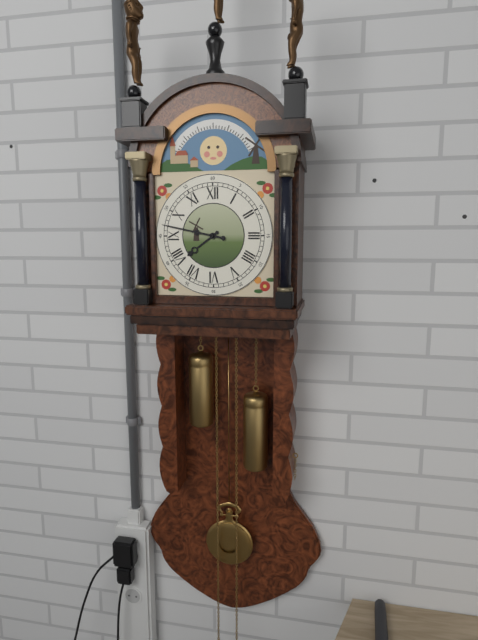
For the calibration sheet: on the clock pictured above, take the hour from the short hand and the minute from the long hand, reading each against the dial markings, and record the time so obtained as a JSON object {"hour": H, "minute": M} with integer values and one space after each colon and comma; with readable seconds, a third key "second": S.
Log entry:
{"hour": 7, "minute": 47}
